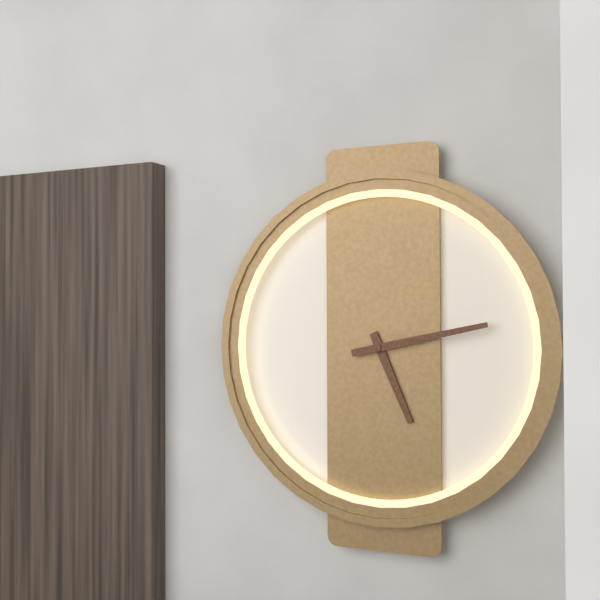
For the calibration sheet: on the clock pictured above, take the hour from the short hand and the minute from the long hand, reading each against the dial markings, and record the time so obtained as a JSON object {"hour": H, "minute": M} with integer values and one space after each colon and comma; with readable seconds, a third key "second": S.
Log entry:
{"hour": 5, "minute": 13}
